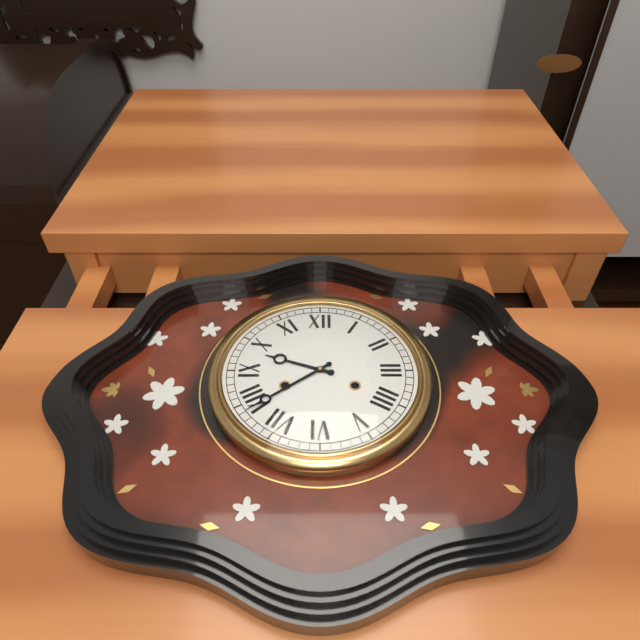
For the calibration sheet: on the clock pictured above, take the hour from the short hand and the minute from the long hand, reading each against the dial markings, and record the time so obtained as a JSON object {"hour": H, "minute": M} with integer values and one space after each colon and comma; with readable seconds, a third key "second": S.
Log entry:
{"hour": 9, "minute": 39}
